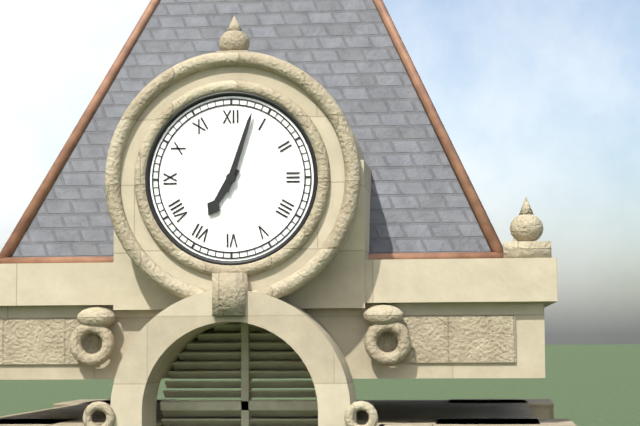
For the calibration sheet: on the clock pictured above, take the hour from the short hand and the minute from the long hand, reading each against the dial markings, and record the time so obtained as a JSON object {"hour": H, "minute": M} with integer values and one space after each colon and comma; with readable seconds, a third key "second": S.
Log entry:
{"hour": 7, "minute": 3}
